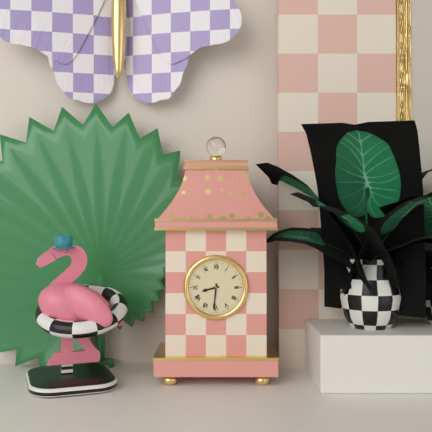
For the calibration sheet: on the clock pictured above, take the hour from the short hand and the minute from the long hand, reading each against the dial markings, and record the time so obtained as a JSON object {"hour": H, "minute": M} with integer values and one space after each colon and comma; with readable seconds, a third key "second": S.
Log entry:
{"hour": 8, "minute": 31}
